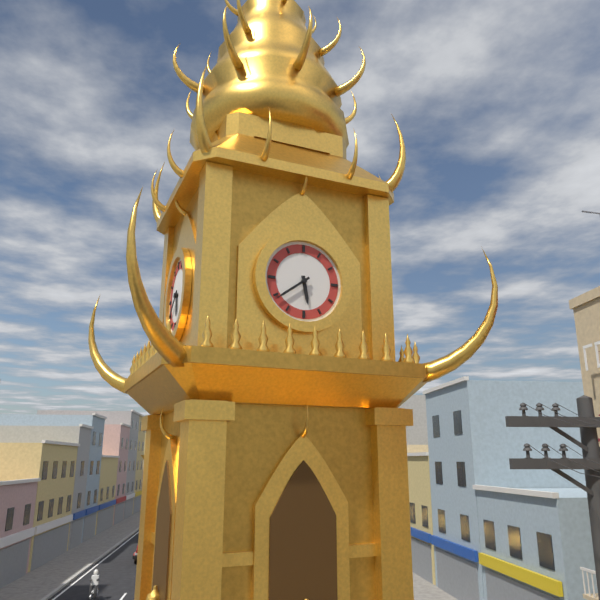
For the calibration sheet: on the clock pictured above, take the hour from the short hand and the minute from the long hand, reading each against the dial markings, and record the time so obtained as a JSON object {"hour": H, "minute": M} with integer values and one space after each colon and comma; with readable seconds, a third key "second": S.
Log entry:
{"hour": 5, "minute": 39}
